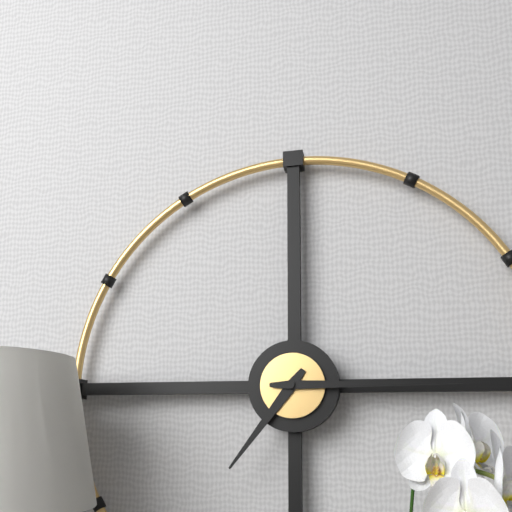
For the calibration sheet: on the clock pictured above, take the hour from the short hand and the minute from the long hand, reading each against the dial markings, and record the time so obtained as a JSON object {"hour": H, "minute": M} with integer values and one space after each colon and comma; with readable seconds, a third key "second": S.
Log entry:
{"hour": 7, "minute": 15}
